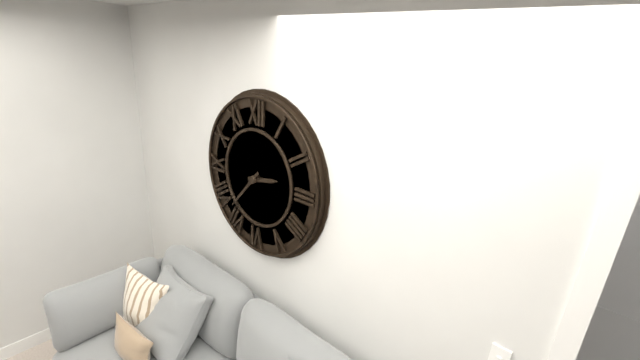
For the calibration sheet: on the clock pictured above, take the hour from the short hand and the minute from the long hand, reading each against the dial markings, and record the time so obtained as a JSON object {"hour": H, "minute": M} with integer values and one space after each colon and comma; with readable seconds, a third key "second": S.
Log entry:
{"hour": 2, "minute": 37}
